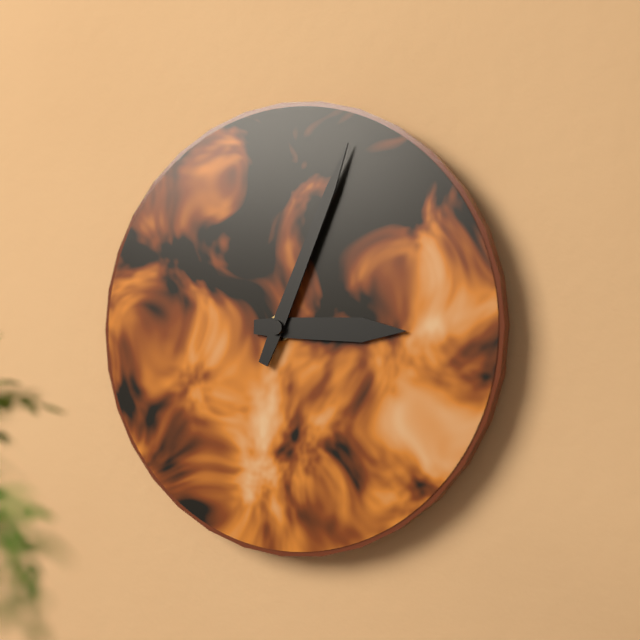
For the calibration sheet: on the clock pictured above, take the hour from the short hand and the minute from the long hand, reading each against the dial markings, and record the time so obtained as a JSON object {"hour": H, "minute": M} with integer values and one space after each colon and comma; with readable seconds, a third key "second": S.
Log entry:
{"hour": 3, "minute": 4}
